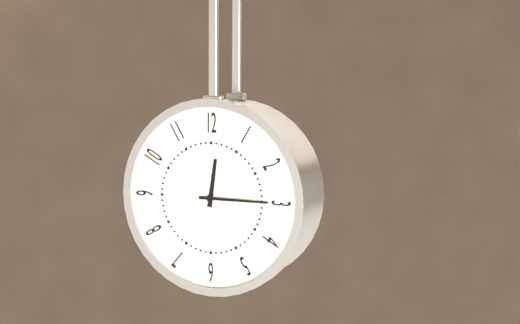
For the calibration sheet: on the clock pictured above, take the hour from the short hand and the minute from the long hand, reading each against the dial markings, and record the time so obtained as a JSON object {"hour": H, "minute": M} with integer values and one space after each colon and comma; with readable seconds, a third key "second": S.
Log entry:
{"hour": 12, "minute": 15}
